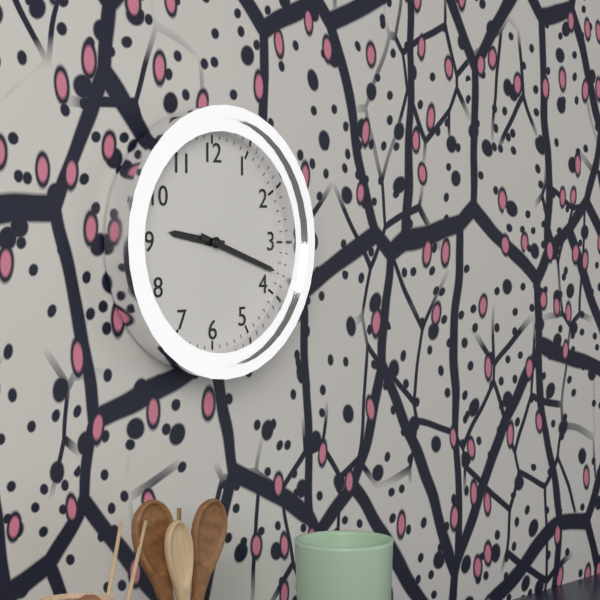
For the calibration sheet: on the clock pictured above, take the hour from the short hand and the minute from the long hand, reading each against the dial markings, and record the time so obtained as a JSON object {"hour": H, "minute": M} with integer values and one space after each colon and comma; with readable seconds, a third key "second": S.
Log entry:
{"hour": 9, "minute": 18}
